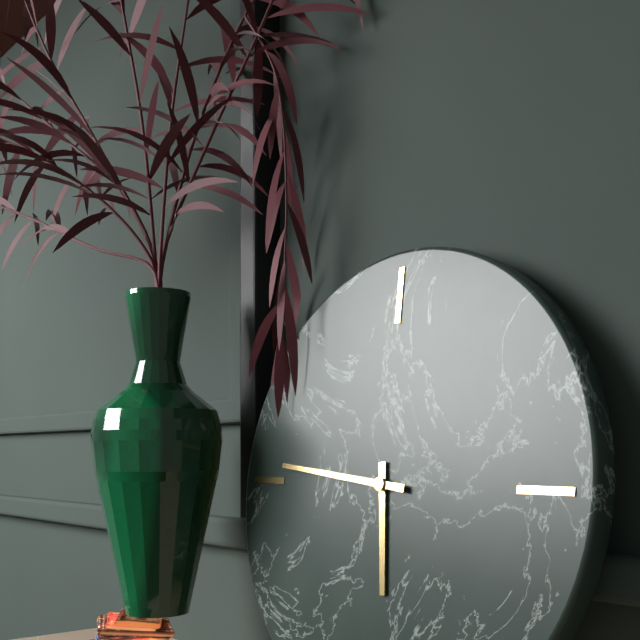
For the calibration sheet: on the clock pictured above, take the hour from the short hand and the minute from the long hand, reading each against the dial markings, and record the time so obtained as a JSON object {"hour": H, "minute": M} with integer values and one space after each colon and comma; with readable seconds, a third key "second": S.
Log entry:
{"hour": 5, "minute": 46}
